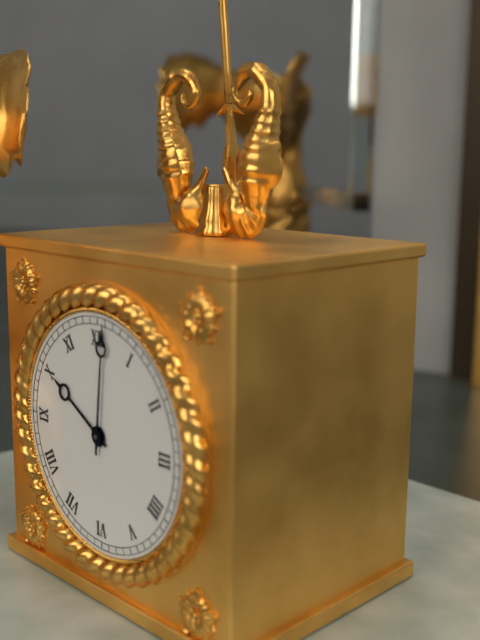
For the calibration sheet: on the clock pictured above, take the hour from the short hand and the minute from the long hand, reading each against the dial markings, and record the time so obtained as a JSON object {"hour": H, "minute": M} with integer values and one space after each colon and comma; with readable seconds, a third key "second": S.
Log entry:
{"hour": 10, "minute": 1}
